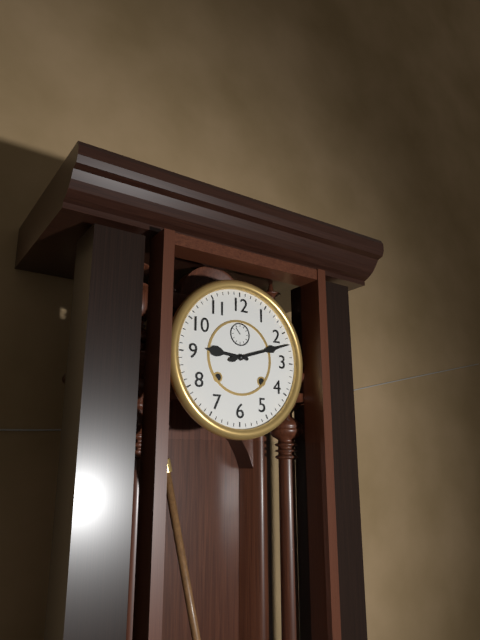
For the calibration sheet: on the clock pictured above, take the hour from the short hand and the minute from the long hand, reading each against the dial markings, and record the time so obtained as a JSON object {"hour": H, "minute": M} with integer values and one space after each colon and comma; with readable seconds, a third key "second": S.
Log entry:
{"hour": 9, "minute": 12}
